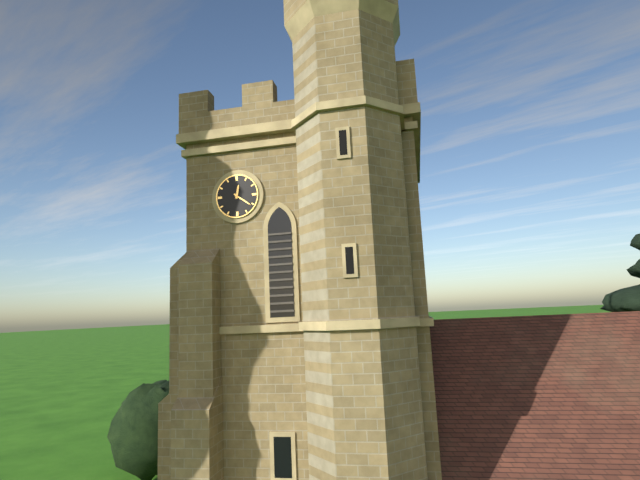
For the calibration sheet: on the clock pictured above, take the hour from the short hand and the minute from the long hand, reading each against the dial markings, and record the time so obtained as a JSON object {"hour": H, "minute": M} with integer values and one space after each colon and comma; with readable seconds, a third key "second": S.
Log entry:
{"hour": 12, "minute": 21}
